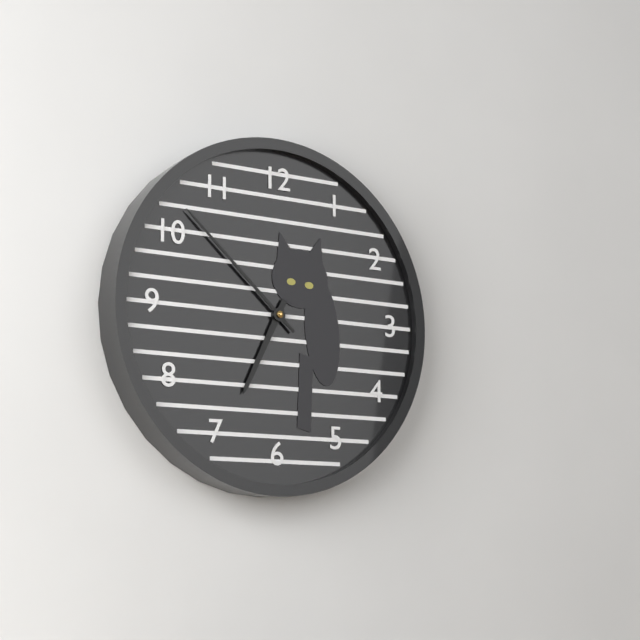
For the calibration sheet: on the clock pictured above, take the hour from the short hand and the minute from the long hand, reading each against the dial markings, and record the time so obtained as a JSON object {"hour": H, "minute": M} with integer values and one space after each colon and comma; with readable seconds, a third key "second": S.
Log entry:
{"hour": 6, "minute": 52}
